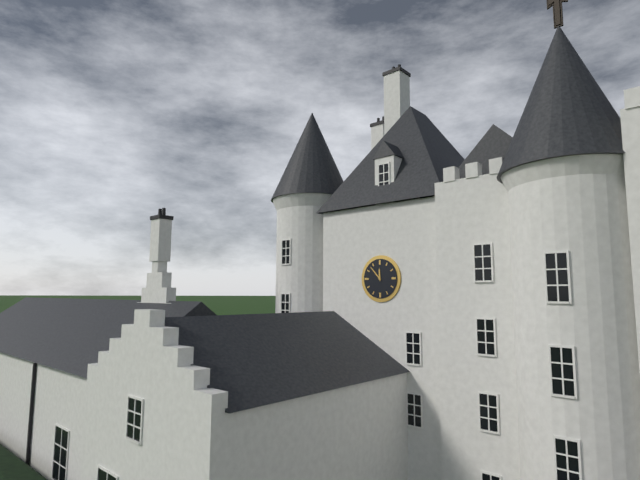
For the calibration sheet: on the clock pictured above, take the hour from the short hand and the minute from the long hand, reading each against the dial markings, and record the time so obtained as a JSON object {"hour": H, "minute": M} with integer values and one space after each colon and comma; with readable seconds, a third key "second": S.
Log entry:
{"hour": 11, "minute": 53}
